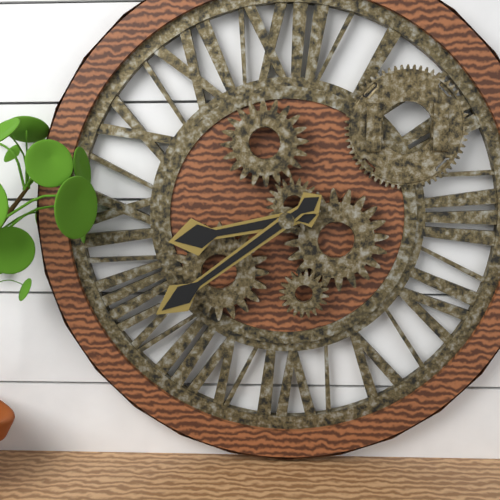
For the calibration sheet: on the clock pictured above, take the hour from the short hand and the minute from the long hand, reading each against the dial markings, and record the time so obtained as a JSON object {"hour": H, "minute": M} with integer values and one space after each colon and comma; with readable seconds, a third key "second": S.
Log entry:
{"hour": 8, "minute": 39}
